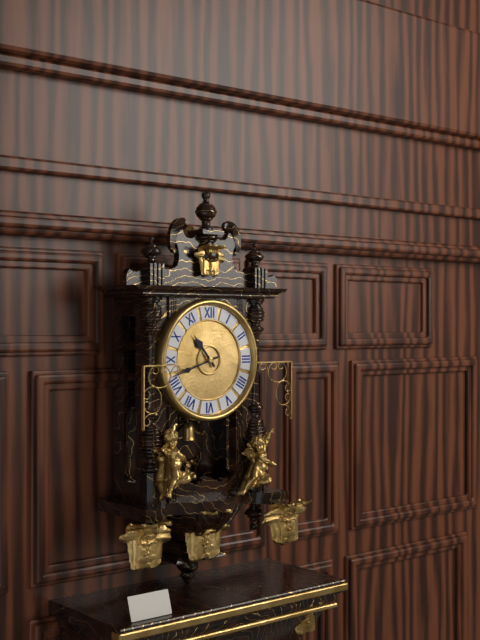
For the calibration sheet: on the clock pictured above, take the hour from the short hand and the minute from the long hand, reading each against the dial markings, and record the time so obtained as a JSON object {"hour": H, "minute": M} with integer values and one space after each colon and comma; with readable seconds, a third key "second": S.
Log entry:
{"hour": 10, "minute": 42}
